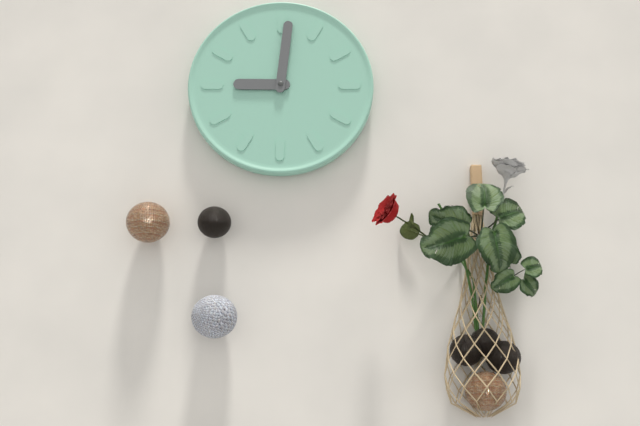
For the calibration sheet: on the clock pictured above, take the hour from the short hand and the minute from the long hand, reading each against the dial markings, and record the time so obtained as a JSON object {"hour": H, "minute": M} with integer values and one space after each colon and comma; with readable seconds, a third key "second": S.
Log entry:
{"hour": 9, "minute": 1}
